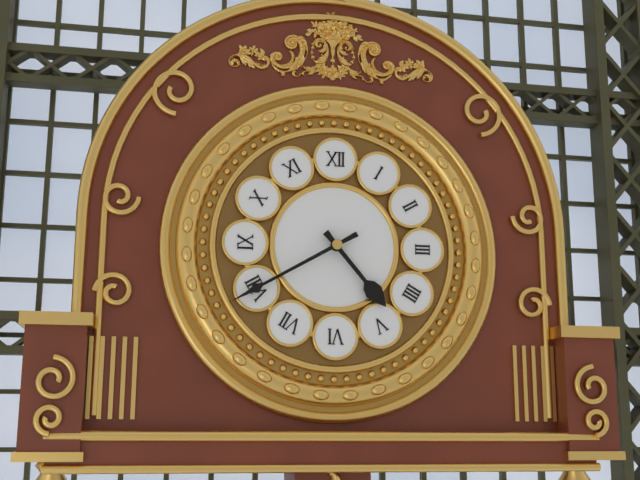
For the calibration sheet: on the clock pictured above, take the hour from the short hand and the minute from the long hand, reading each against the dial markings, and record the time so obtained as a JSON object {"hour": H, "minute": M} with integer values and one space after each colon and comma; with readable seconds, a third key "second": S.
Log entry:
{"hour": 4, "minute": 40}
